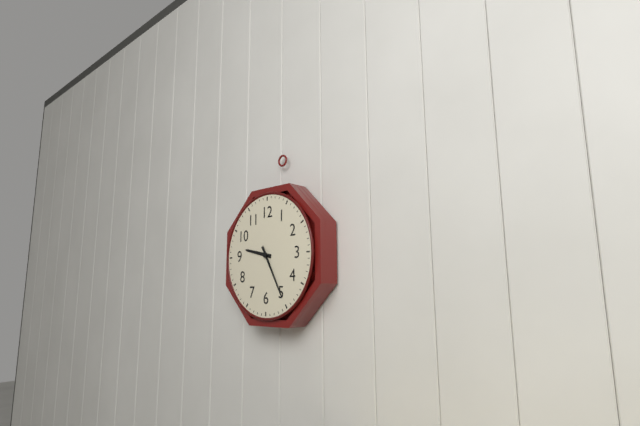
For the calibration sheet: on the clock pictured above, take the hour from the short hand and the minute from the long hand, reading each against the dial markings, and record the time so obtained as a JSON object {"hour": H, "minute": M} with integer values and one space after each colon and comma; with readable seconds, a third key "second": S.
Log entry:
{"hour": 9, "minute": 25}
